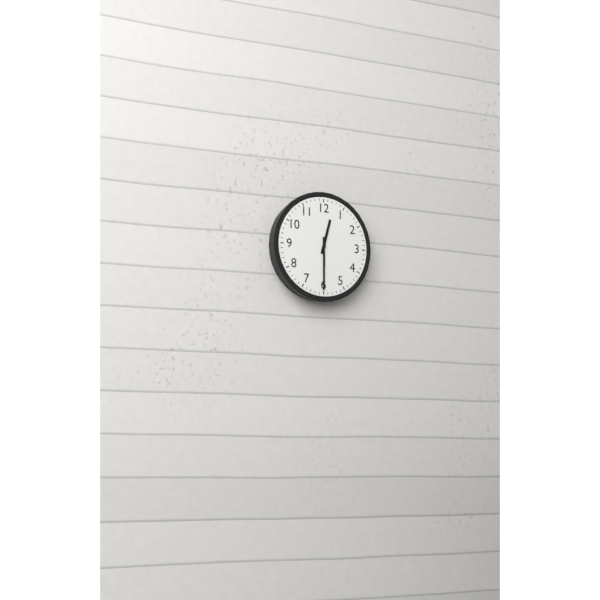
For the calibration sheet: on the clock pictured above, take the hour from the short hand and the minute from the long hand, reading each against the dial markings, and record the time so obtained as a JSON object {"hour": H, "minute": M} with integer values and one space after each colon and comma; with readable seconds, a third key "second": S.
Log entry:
{"hour": 12, "minute": 30}
